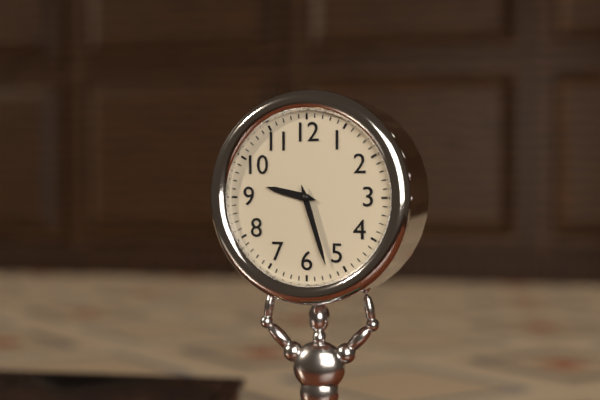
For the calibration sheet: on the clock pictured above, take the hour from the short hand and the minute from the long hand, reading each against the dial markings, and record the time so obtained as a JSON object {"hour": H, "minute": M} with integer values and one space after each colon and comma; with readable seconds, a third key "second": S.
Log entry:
{"hour": 9, "minute": 27}
